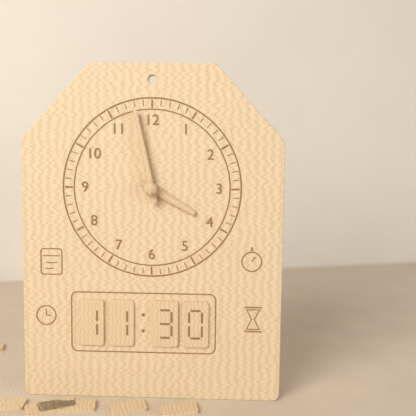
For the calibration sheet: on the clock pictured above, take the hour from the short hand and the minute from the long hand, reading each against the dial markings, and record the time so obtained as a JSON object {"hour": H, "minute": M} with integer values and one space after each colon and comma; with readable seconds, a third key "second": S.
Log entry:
{"hour": 3, "minute": 58}
